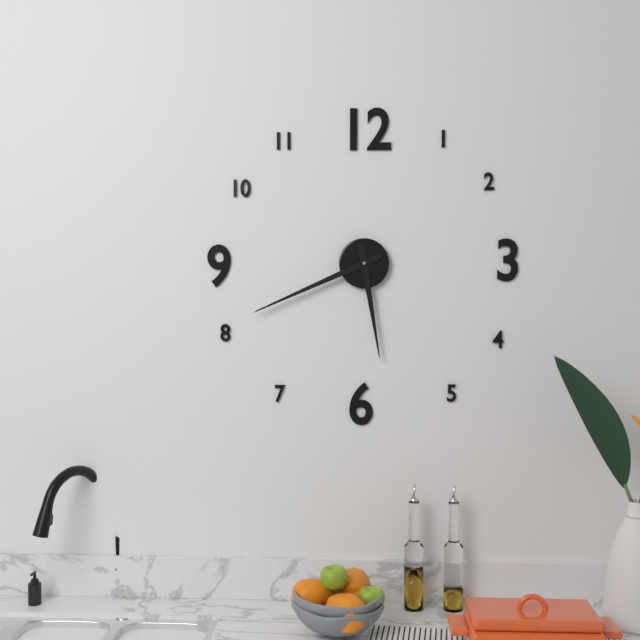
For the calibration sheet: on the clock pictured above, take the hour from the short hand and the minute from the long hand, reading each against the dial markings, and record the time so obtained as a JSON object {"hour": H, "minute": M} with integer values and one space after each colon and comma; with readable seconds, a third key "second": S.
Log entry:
{"hour": 5, "minute": 41}
